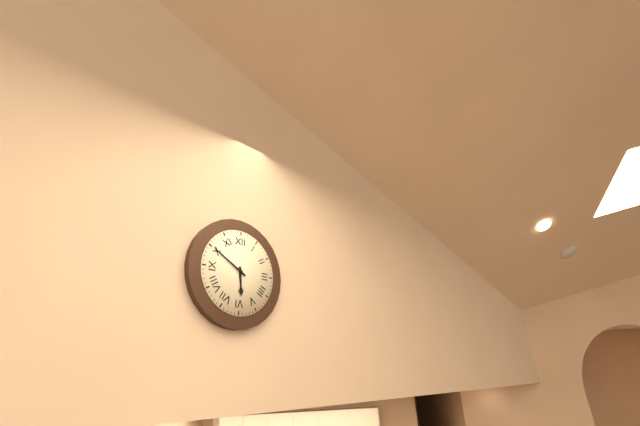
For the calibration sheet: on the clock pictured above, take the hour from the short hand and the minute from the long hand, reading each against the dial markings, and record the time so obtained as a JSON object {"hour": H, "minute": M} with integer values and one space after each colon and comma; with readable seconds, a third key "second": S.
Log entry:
{"hour": 5, "minute": 50}
